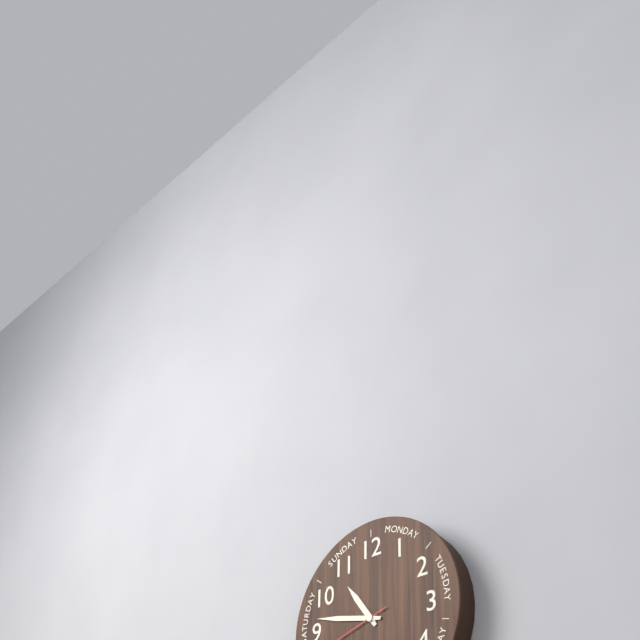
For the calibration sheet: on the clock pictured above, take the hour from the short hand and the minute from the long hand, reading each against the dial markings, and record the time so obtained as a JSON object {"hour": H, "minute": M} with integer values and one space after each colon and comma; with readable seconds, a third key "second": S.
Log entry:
{"hour": 10, "minute": 47}
